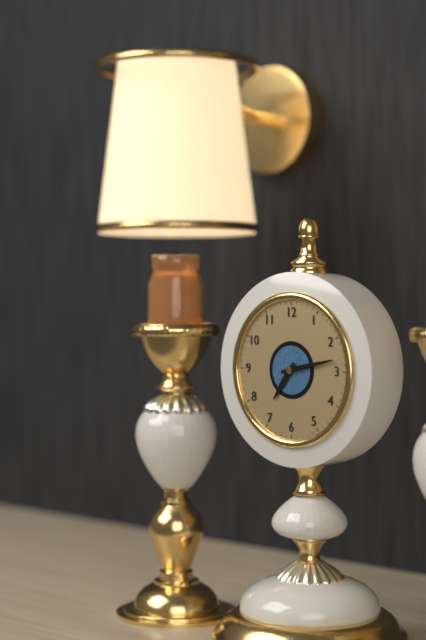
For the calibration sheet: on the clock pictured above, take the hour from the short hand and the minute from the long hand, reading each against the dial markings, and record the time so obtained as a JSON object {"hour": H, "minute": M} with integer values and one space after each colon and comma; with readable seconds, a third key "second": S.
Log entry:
{"hour": 7, "minute": 13}
